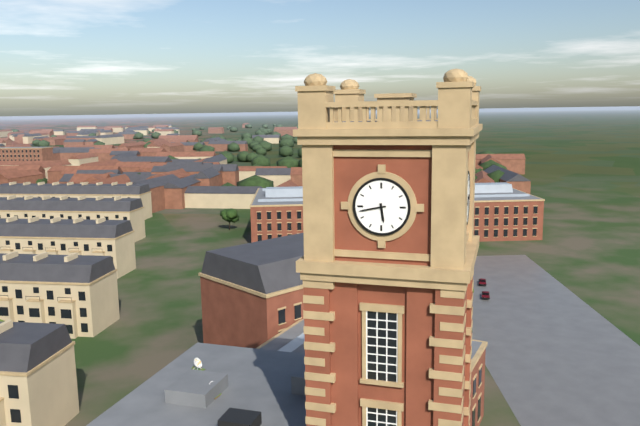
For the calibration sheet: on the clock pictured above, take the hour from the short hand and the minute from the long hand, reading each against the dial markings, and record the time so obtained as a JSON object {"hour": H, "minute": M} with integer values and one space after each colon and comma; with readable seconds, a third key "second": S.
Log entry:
{"hour": 5, "minute": 43}
